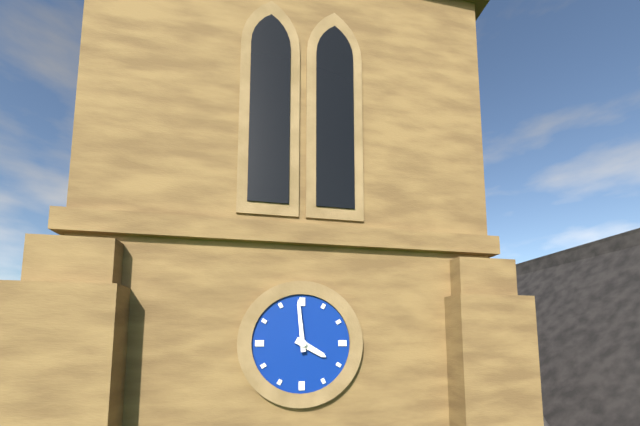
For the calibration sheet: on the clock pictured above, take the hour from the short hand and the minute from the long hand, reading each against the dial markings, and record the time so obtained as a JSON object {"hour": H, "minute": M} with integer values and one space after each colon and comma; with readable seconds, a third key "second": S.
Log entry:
{"hour": 3, "minute": 59}
